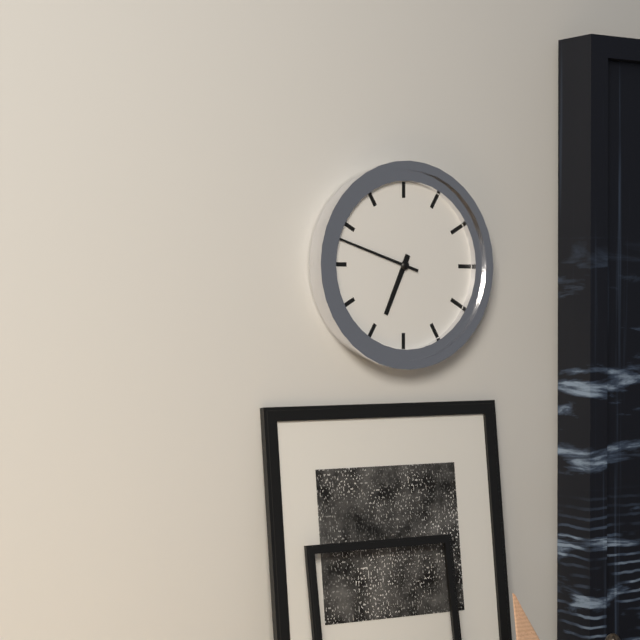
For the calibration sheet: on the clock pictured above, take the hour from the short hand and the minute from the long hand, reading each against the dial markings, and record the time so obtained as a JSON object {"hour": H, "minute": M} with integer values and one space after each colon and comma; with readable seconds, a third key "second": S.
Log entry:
{"hour": 6, "minute": 48}
